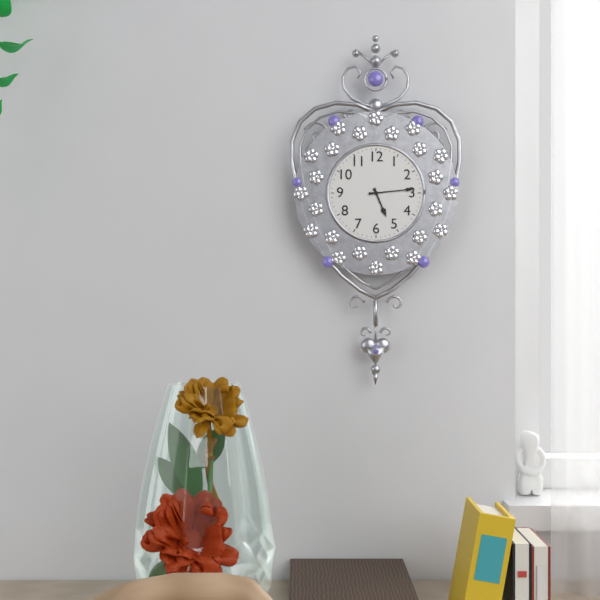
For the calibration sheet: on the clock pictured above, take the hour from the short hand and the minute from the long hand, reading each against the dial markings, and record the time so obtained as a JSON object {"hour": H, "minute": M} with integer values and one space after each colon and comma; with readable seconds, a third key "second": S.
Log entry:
{"hour": 5, "minute": 14}
